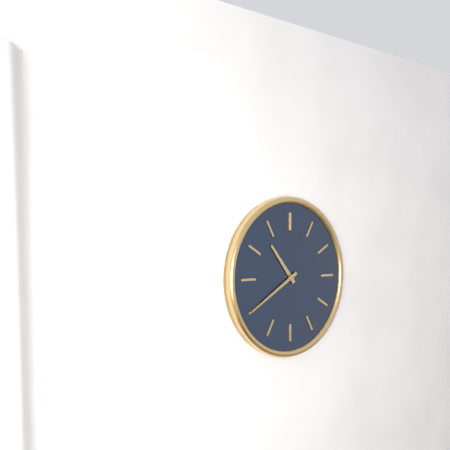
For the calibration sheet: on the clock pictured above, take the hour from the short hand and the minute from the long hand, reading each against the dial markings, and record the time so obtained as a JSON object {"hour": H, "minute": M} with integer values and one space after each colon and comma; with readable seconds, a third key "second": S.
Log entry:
{"hour": 10, "minute": 40}
